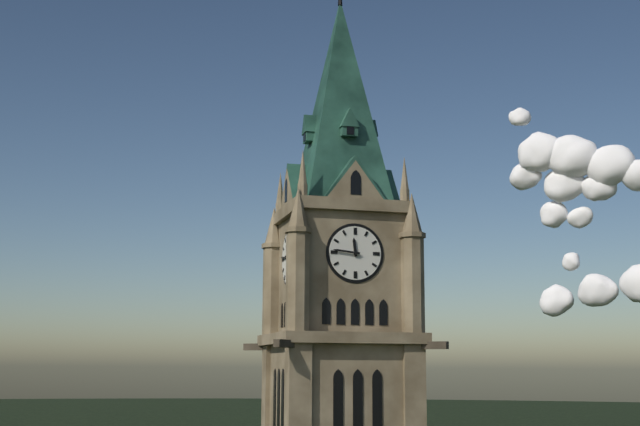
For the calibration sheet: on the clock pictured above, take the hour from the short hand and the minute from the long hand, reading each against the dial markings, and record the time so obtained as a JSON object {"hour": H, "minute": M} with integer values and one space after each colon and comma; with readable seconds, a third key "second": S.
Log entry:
{"hour": 11, "minute": 46}
